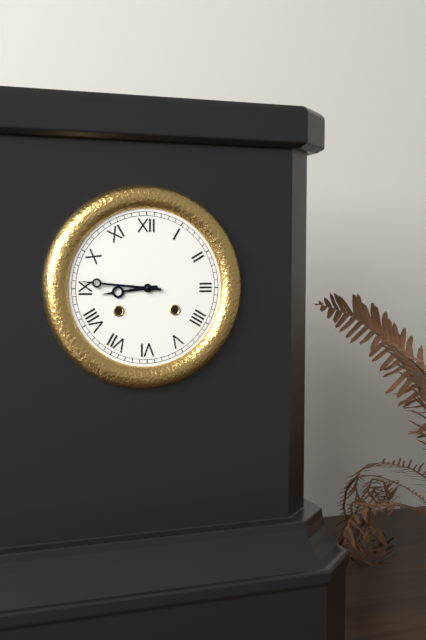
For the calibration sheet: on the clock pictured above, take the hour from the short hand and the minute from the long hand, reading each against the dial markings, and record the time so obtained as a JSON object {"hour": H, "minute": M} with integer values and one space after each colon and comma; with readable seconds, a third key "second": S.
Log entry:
{"hour": 8, "minute": 46}
